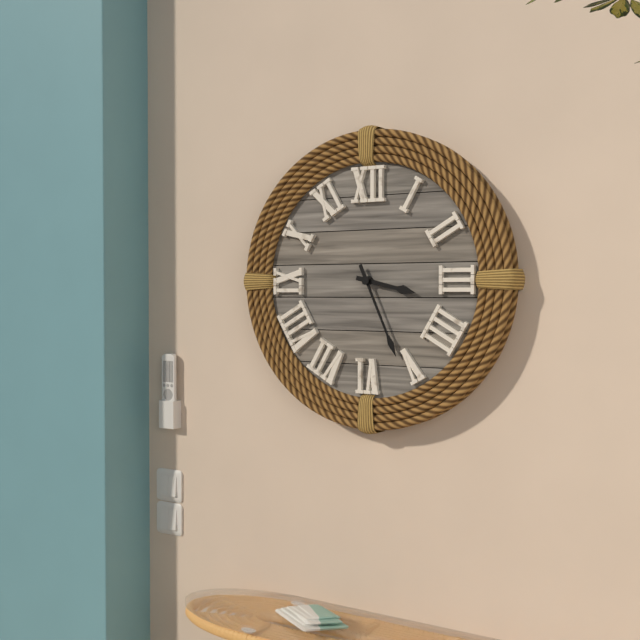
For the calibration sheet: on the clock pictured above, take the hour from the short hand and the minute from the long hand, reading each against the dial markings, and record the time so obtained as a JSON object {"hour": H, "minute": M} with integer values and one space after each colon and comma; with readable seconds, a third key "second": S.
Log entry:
{"hour": 3, "minute": 26}
